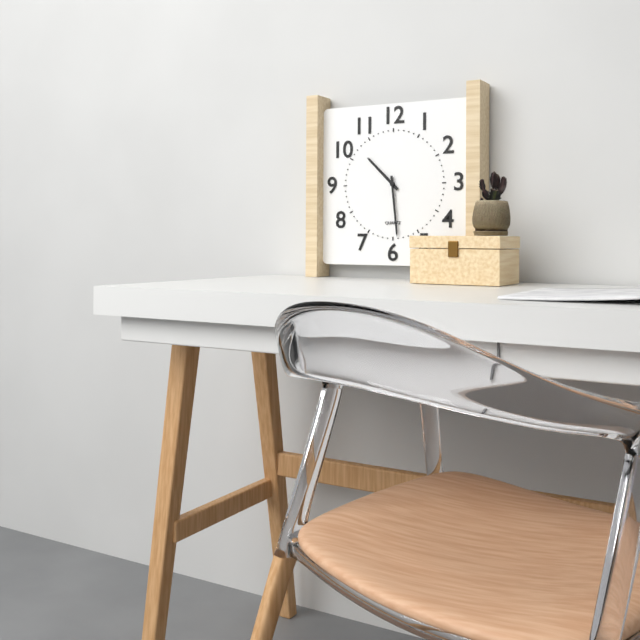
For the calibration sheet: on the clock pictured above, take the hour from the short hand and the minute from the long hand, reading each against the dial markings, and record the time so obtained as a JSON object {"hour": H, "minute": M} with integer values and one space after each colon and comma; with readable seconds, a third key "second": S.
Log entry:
{"hour": 10, "minute": 29}
